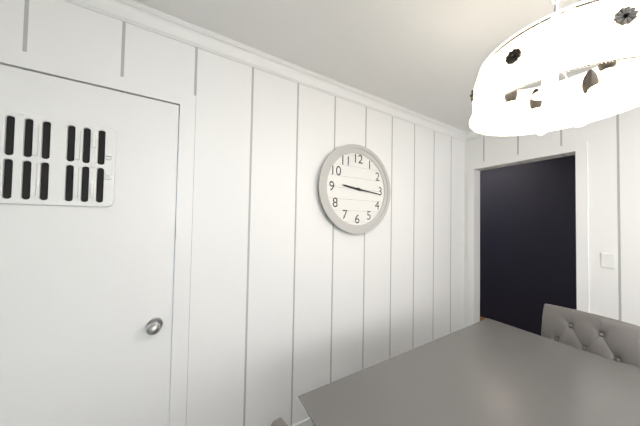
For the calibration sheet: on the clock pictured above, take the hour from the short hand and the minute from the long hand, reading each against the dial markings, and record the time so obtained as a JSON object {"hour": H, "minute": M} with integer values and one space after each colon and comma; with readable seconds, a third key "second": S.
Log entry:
{"hour": 9, "minute": 16}
